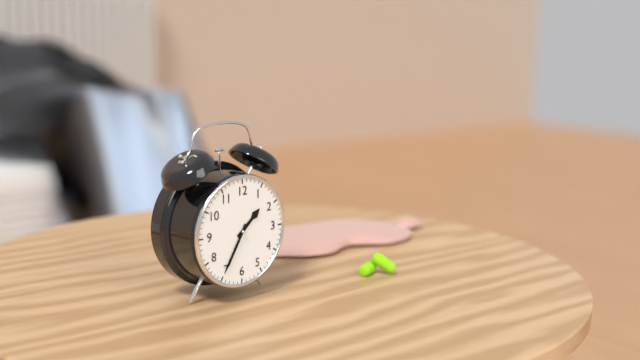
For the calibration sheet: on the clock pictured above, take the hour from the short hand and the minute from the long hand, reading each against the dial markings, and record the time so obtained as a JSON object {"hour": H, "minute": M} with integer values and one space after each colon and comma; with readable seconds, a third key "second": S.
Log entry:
{"hour": 1, "minute": 35}
